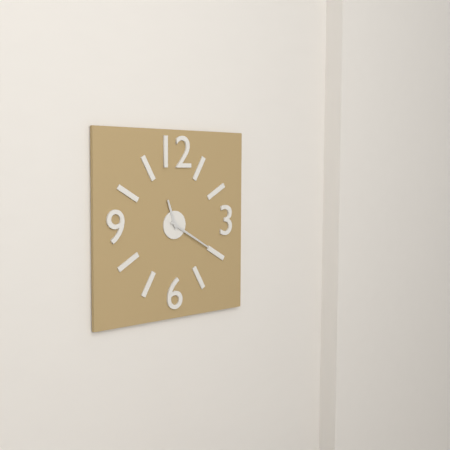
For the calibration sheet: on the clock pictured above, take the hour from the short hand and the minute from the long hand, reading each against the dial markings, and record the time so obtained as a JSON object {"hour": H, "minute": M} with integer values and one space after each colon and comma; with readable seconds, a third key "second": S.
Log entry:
{"hour": 11, "minute": 20}
